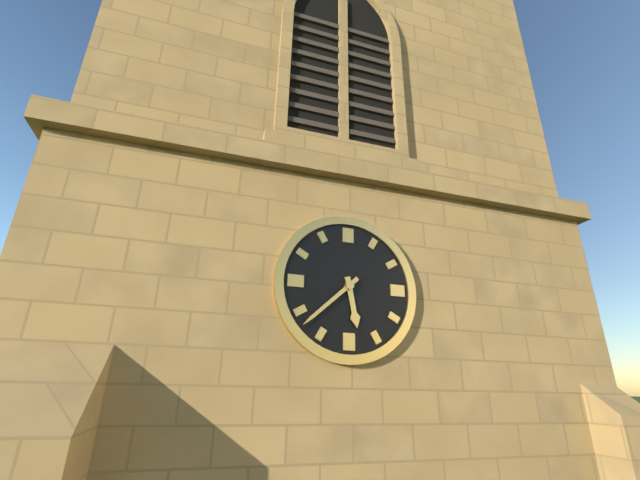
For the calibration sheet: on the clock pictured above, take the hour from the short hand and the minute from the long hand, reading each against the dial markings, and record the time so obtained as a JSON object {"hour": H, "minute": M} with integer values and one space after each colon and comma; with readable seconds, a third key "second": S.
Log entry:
{"hour": 5, "minute": 38}
